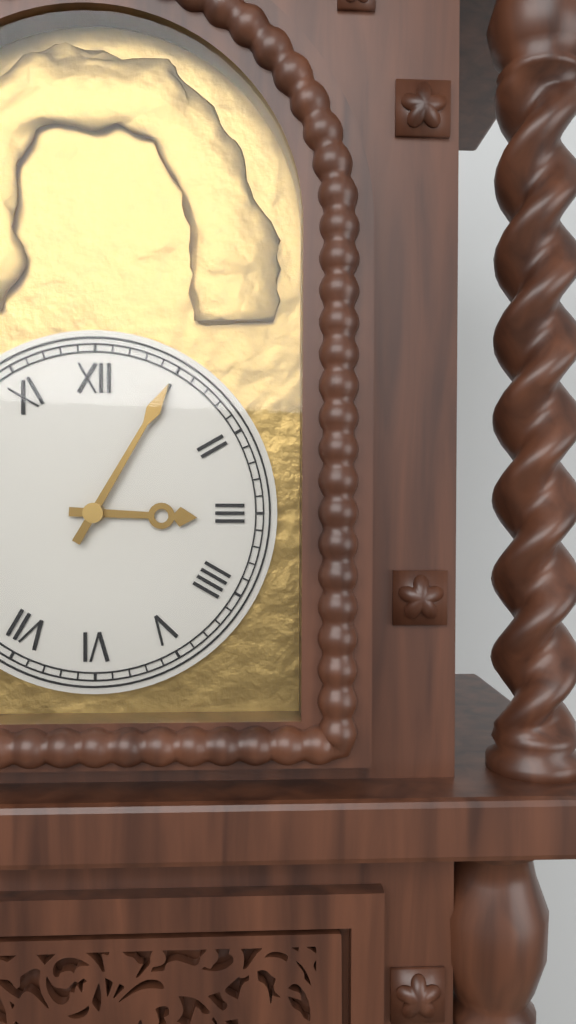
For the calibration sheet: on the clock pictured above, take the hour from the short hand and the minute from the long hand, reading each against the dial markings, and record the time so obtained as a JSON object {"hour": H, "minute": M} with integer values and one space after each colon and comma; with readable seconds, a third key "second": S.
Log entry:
{"hour": 3, "minute": 5}
